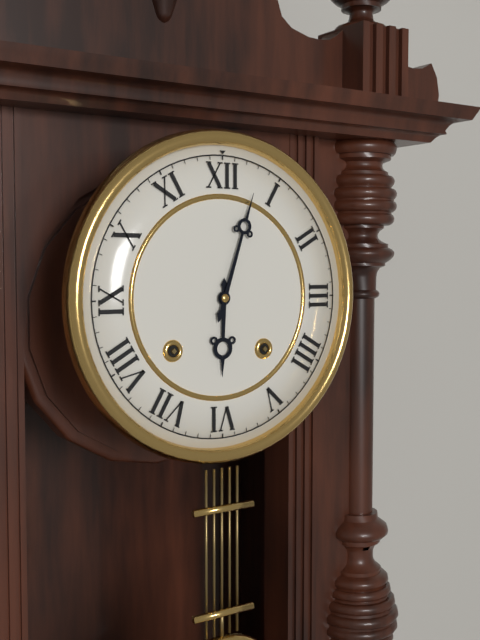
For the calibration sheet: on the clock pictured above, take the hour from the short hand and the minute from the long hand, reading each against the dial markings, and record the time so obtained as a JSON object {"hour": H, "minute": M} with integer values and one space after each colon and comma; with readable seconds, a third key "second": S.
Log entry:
{"hour": 6, "minute": 3}
